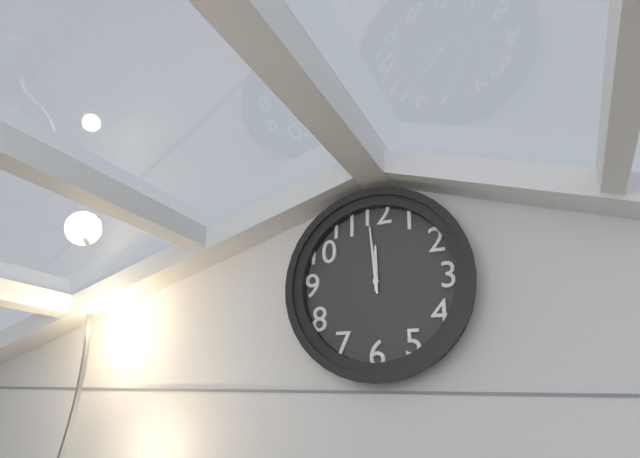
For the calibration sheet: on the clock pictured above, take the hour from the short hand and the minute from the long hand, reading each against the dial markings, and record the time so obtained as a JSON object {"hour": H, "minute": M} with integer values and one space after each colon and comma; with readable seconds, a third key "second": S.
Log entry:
{"hour": 11, "minute": 59}
